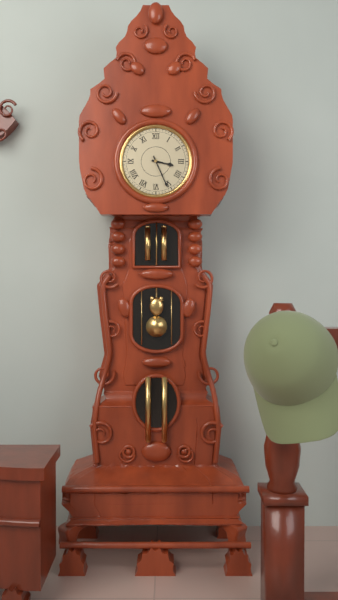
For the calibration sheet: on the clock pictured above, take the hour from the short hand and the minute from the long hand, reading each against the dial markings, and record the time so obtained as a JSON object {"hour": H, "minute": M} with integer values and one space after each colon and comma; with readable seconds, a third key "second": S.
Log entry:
{"hour": 3, "minute": 26}
